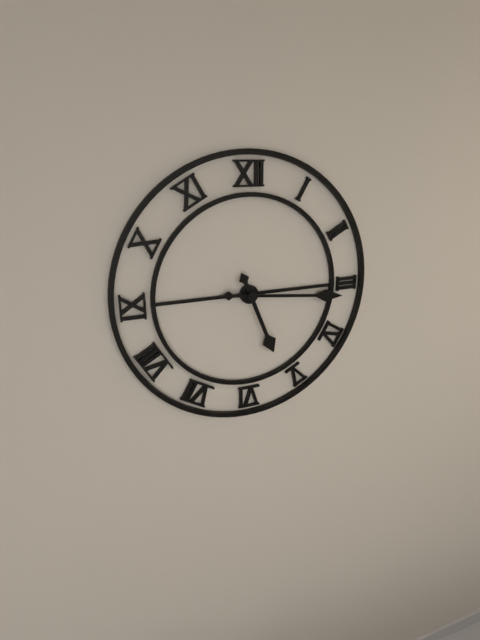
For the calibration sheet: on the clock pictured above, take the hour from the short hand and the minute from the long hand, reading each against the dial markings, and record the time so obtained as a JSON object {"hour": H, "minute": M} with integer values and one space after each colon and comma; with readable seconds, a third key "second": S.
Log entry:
{"hour": 5, "minute": 16}
